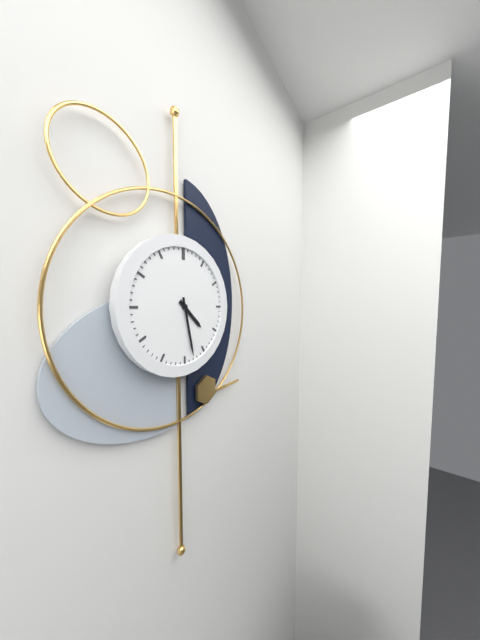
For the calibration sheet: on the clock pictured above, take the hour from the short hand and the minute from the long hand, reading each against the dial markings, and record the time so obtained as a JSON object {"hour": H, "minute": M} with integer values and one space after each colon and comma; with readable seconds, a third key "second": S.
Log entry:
{"hour": 4, "minute": 28}
